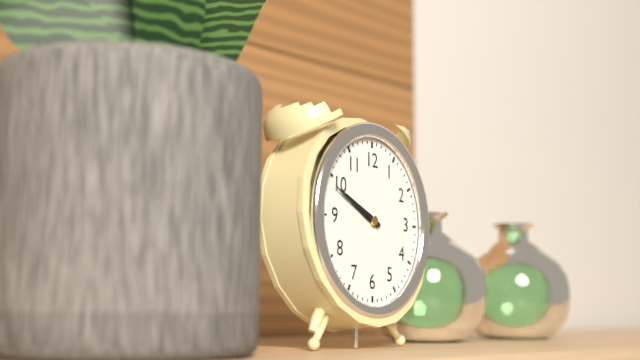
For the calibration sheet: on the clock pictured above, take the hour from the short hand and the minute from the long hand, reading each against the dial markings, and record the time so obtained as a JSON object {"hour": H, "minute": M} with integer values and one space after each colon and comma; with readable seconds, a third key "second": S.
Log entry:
{"hour": 9, "minute": 49}
